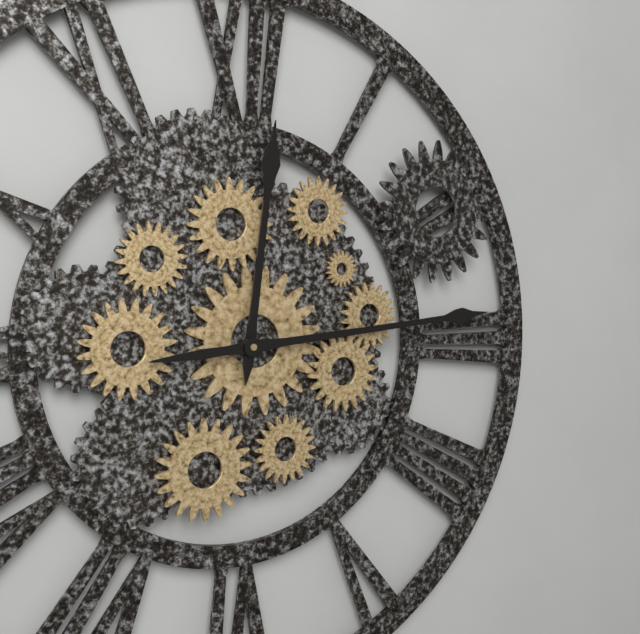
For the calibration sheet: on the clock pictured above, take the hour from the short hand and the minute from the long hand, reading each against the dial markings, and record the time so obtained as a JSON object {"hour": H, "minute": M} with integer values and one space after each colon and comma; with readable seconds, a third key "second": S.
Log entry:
{"hour": 12, "minute": 14}
